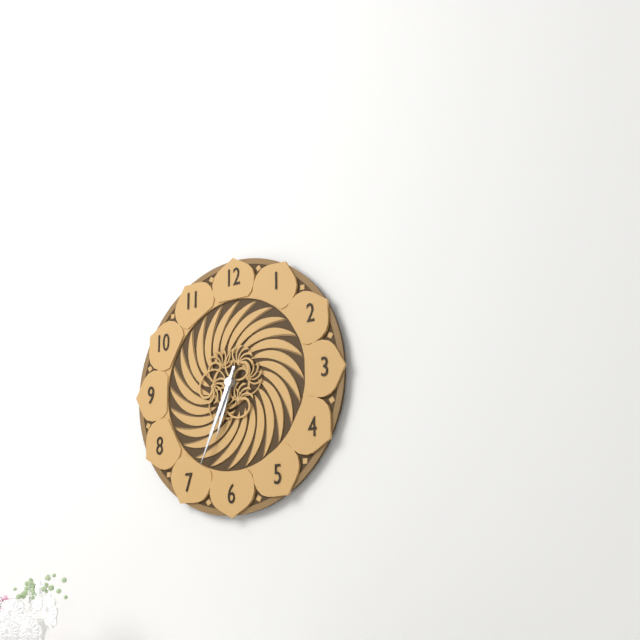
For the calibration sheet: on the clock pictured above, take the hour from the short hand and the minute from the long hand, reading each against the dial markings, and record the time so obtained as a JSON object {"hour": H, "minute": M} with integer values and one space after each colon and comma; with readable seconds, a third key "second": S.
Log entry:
{"hour": 6, "minute": 34}
